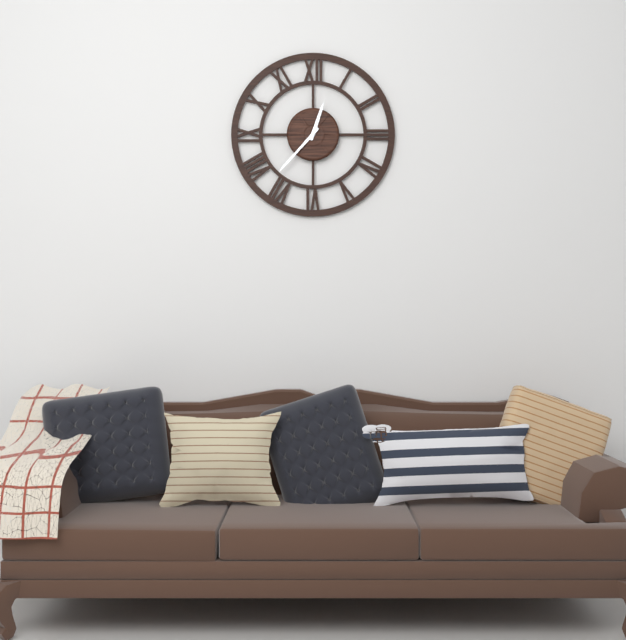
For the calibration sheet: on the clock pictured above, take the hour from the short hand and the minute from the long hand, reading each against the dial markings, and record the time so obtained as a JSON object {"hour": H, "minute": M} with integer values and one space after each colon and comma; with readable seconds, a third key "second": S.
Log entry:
{"hour": 12, "minute": 37}
